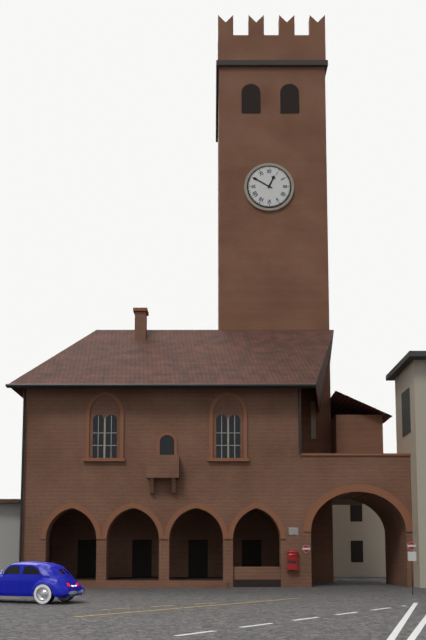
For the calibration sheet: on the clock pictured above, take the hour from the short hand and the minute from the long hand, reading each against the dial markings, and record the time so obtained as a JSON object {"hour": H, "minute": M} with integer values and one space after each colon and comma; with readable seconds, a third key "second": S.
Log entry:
{"hour": 12, "minute": 50}
